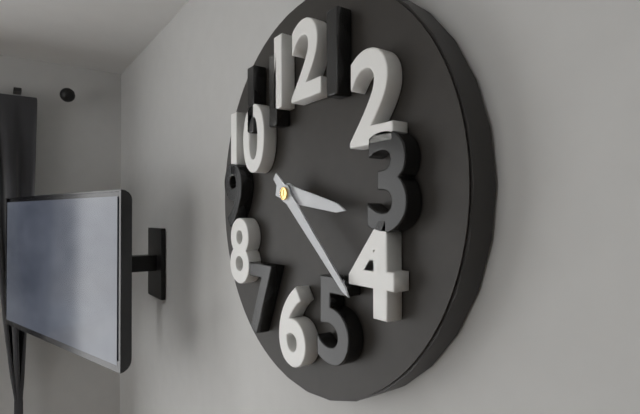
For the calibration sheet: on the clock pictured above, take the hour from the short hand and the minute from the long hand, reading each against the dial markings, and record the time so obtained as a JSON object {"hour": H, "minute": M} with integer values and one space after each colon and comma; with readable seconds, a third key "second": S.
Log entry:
{"hour": 3, "minute": 22}
